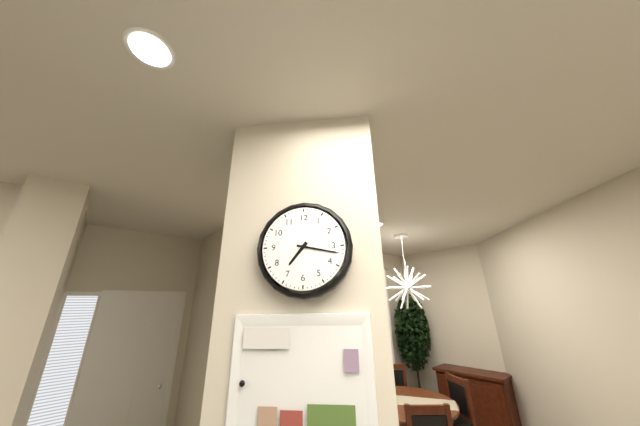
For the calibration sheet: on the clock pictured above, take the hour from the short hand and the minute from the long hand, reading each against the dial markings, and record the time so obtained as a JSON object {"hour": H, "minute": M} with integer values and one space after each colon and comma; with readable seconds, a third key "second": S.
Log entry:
{"hour": 7, "minute": 17}
